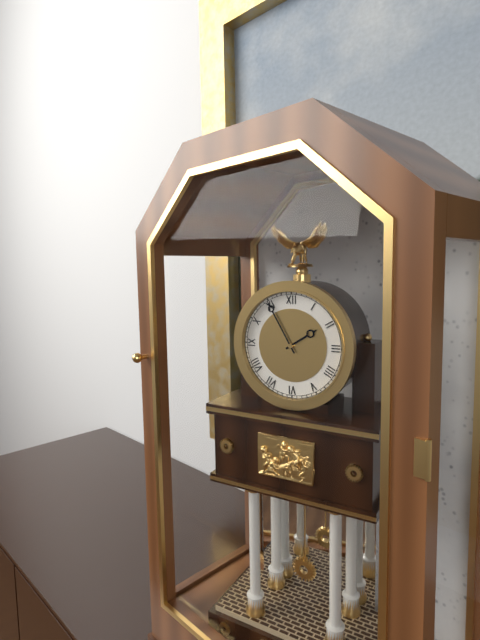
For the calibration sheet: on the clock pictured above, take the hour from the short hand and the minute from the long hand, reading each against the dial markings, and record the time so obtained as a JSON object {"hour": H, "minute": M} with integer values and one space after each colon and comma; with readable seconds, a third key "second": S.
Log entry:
{"hour": 1, "minute": 55}
